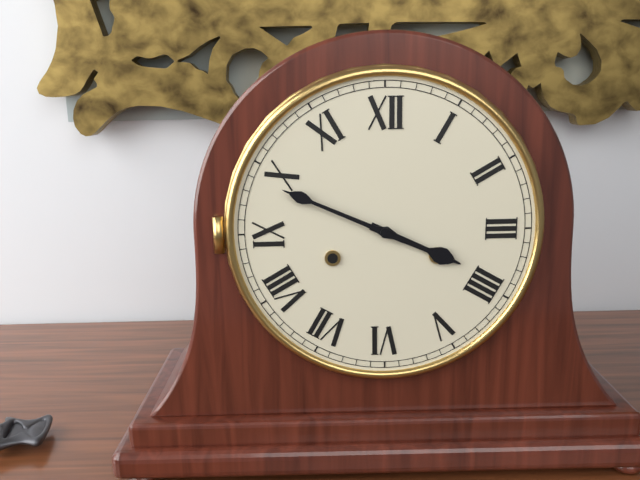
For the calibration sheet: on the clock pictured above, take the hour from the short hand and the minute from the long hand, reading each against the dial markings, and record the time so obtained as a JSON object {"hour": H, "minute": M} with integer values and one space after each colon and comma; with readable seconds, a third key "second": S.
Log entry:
{"hour": 3, "minute": 49}
